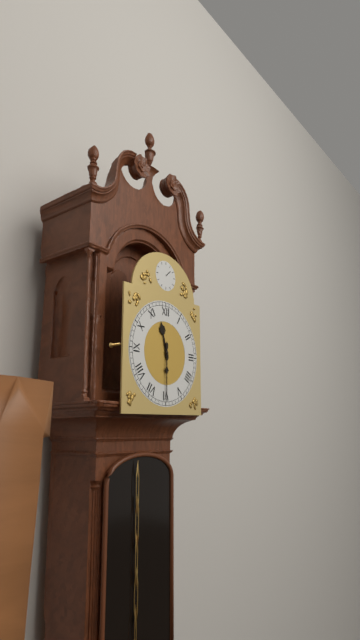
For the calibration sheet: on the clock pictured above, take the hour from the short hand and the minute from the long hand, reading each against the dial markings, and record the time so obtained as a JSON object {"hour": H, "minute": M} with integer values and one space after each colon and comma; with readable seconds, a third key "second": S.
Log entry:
{"hour": 11, "minute": 30}
